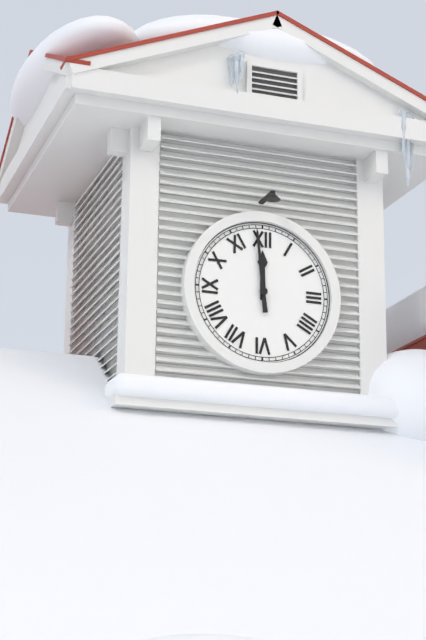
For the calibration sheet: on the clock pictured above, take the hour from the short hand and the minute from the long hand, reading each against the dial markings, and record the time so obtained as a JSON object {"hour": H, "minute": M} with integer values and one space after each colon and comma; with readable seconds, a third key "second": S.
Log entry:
{"hour": 11, "minute": 59}
